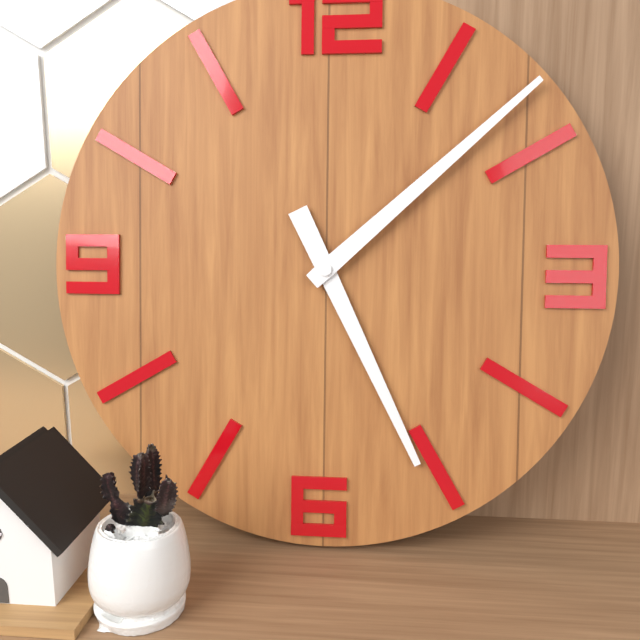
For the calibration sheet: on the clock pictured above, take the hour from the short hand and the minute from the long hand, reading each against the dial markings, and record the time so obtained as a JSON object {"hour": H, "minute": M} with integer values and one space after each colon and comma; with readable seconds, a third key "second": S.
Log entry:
{"hour": 5, "minute": 8}
